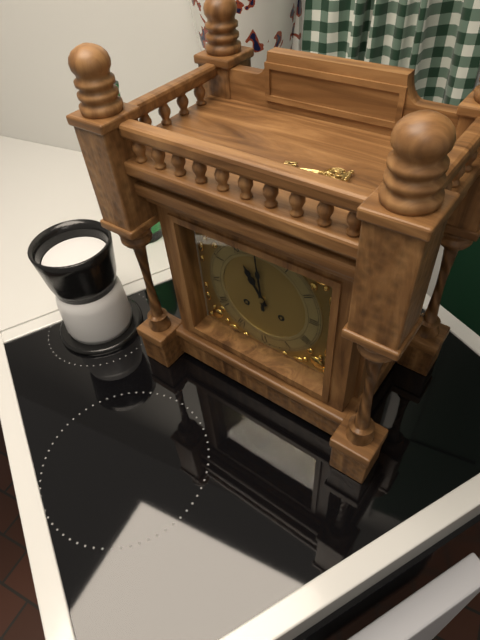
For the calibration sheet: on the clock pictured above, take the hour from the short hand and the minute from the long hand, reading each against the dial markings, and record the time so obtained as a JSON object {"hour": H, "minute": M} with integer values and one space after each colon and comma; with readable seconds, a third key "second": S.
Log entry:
{"hour": 10, "minute": 59}
